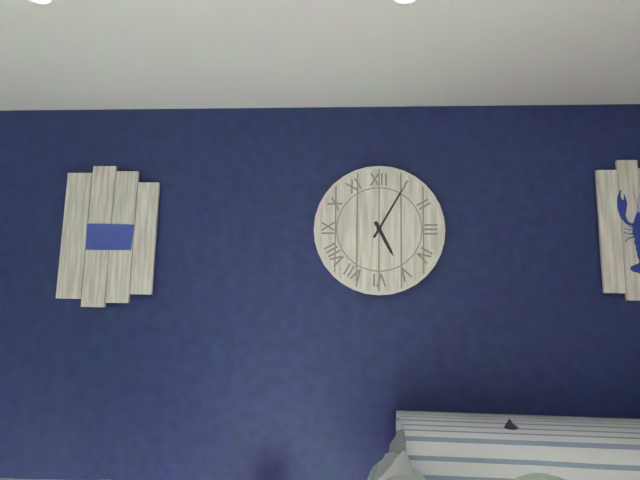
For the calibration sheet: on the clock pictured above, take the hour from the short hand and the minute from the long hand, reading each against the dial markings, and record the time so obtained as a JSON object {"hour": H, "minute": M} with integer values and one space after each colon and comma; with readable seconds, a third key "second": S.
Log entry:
{"hour": 5, "minute": 5}
